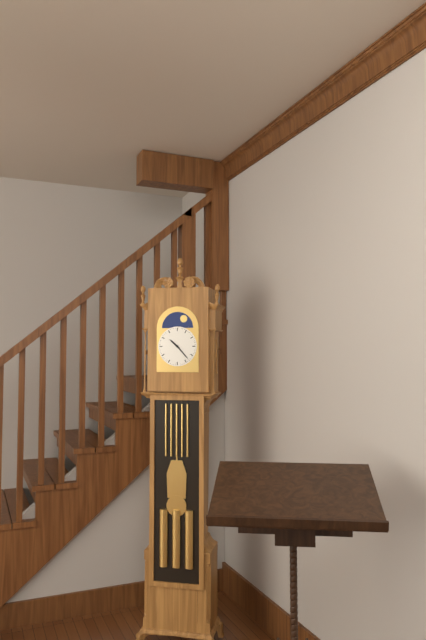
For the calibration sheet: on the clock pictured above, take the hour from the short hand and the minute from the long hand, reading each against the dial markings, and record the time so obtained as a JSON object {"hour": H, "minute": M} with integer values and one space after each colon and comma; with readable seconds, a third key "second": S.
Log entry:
{"hour": 10, "minute": 23}
